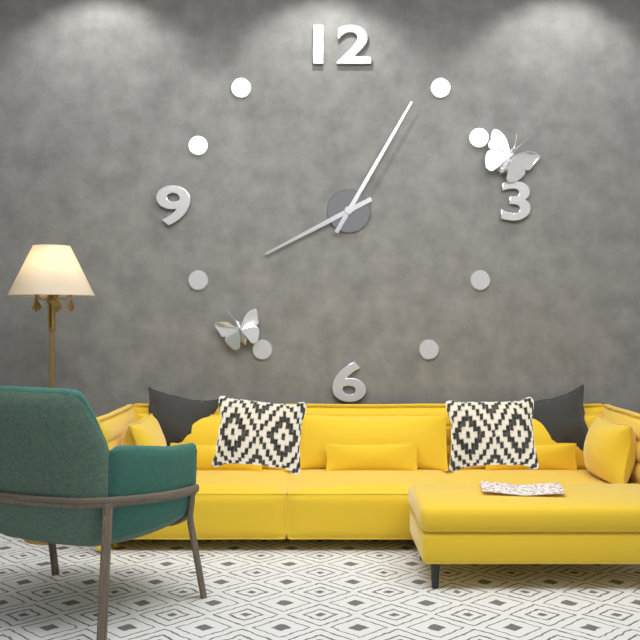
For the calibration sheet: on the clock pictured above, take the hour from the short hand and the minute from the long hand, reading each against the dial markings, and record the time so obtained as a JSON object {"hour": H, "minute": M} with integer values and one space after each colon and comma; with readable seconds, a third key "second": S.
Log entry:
{"hour": 8, "minute": 5}
